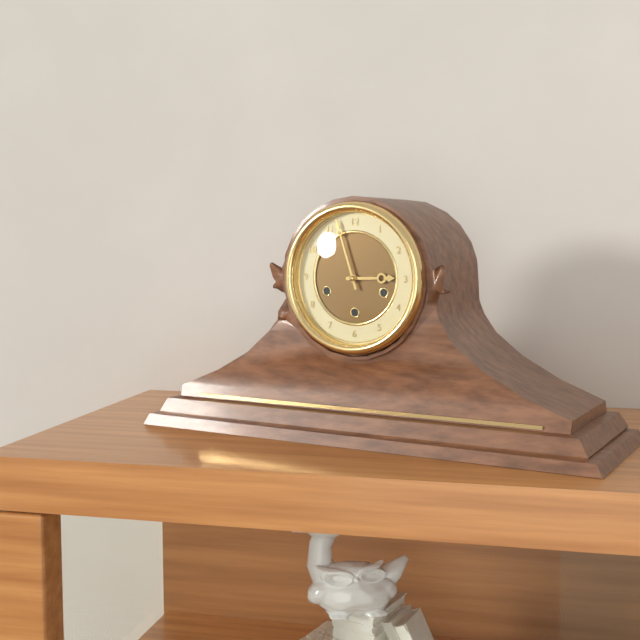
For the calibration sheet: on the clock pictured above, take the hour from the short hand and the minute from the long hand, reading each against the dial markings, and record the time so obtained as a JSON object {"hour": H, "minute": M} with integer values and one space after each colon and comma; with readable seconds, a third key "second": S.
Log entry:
{"hour": 2, "minute": 57}
